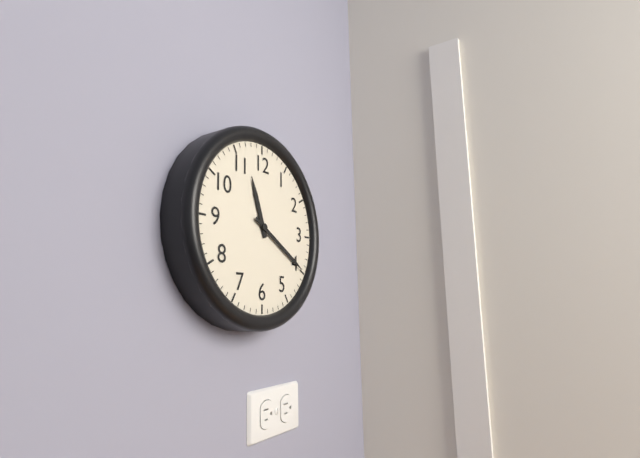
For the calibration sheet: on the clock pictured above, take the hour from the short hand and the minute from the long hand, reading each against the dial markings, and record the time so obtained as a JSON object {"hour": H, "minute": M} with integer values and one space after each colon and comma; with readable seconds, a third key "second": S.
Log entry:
{"hour": 11, "minute": 20}
